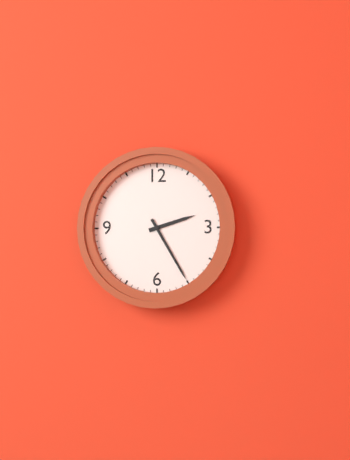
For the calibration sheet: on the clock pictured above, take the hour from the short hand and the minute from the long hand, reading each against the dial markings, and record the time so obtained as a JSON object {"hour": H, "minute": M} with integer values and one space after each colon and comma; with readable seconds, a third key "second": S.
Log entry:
{"hour": 2, "minute": 25}
